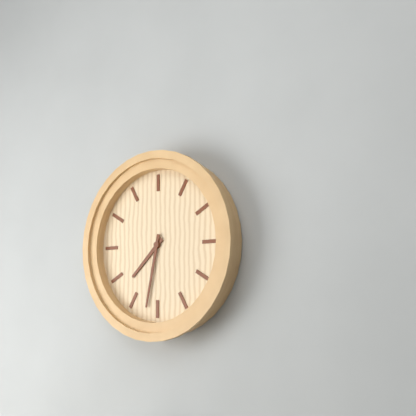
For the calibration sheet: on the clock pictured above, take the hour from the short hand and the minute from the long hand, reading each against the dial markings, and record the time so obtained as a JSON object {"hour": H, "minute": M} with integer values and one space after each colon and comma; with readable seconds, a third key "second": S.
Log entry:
{"hour": 7, "minute": 32}
